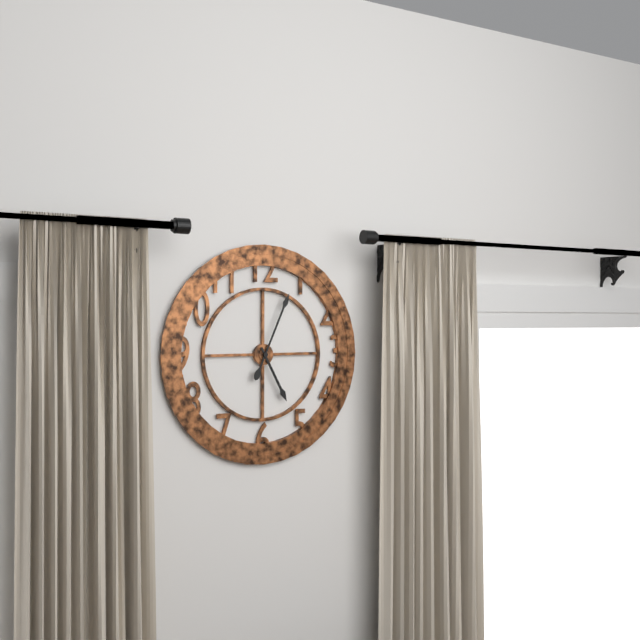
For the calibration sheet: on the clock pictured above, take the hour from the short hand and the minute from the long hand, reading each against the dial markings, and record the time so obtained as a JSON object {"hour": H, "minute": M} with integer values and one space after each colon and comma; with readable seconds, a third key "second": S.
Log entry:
{"hour": 5, "minute": 4}
